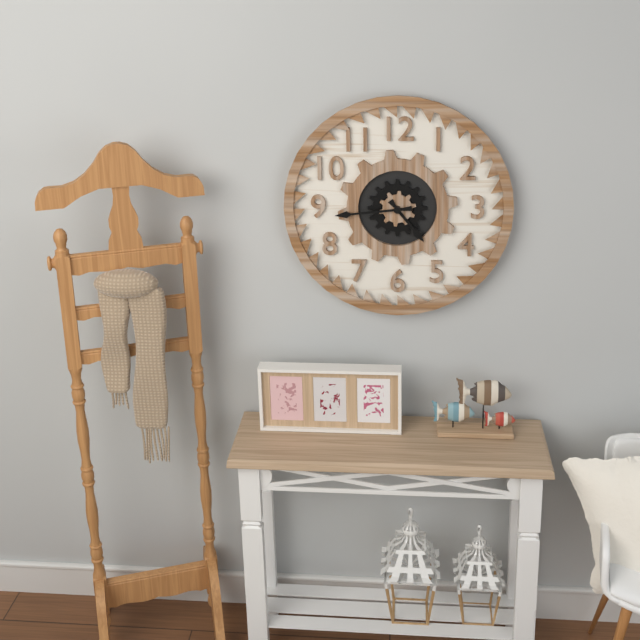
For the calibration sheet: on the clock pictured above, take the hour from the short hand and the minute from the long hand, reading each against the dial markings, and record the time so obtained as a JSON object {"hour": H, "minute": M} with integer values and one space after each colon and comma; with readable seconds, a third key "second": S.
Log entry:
{"hour": 4, "minute": 44}
